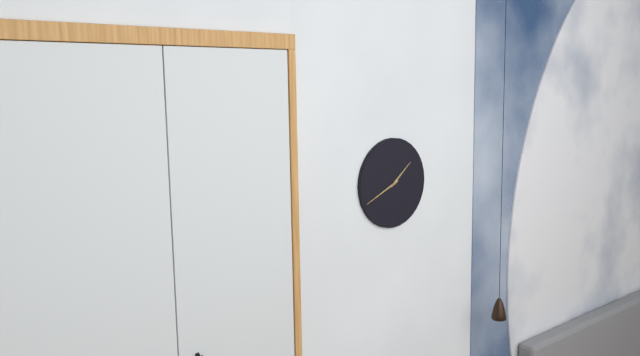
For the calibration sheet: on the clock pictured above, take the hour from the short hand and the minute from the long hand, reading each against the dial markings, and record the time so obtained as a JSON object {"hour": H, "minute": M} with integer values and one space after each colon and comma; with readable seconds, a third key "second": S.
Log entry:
{"hour": 1, "minute": 41}
